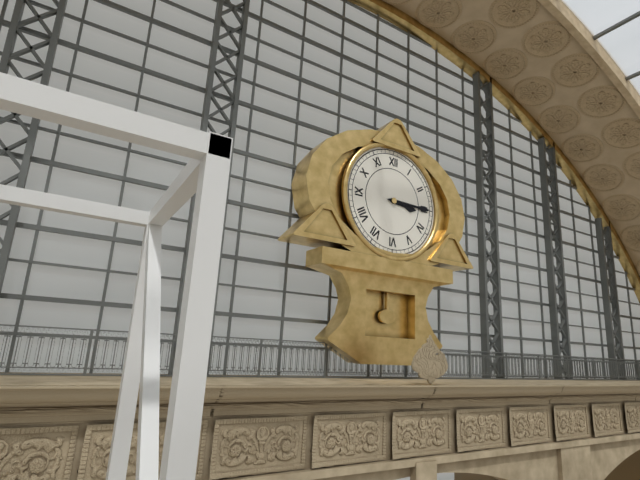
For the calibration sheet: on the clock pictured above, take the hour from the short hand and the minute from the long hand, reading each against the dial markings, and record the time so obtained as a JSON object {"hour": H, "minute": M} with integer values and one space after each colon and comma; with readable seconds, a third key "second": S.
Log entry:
{"hour": 3, "minute": 15}
